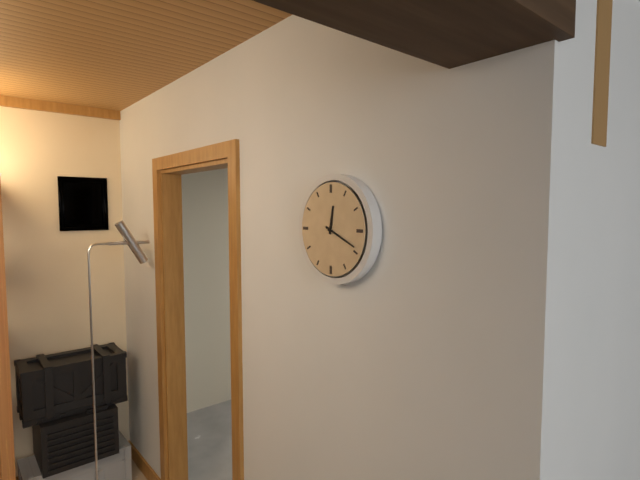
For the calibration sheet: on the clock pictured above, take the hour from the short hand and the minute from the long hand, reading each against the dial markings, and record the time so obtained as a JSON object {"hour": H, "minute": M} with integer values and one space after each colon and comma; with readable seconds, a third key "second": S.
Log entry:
{"hour": 12, "minute": 19}
